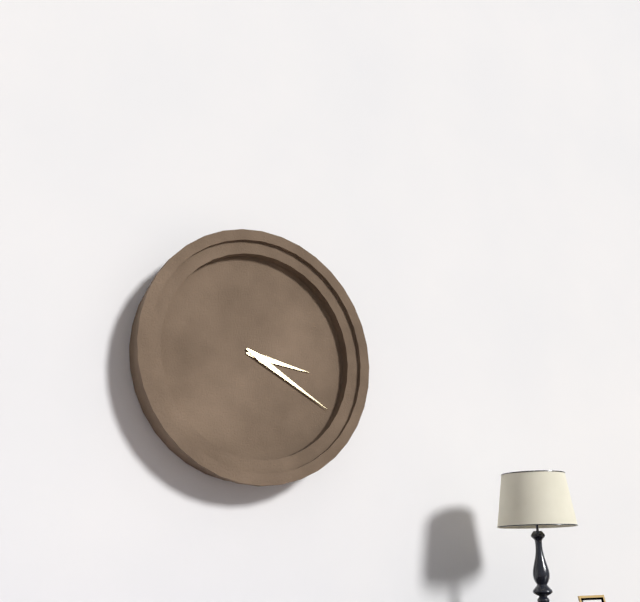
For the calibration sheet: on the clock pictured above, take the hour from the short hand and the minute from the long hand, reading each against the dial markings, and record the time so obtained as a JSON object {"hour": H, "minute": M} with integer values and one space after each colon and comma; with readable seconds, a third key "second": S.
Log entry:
{"hour": 3, "minute": 20}
